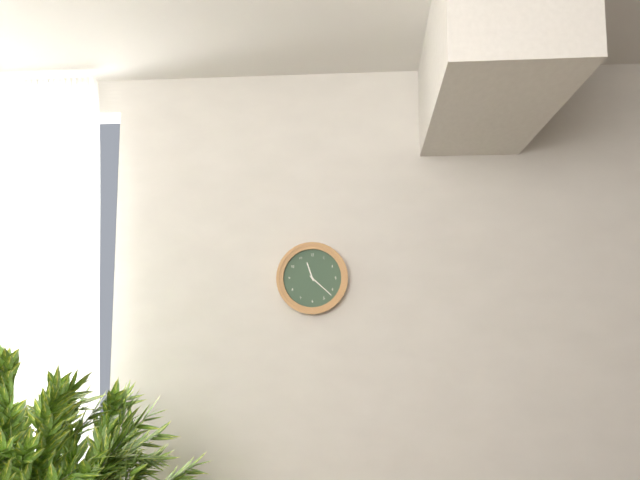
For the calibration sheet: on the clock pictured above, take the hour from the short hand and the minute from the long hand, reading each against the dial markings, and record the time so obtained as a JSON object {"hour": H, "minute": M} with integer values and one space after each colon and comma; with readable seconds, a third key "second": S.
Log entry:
{"hour": 11, "minute": 22}
